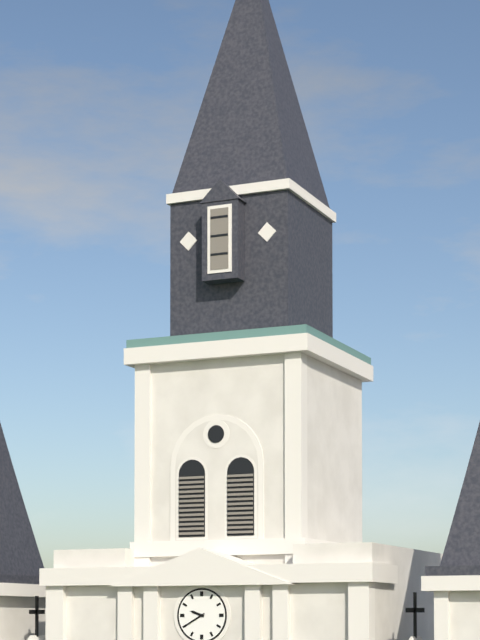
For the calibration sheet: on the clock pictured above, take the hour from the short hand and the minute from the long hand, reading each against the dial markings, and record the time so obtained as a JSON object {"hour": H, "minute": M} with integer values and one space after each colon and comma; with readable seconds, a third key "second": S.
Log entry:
{"hour": 9, "minute": 40}
